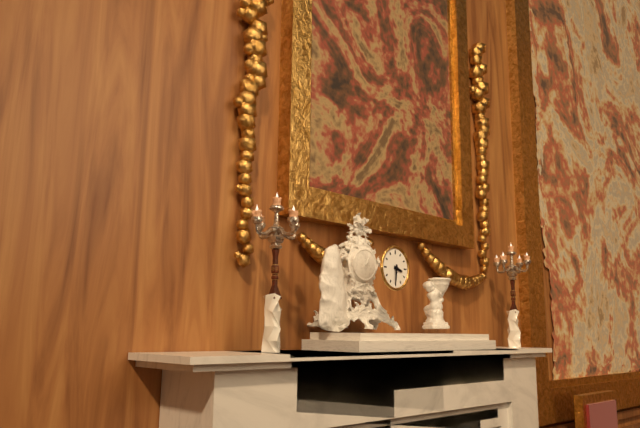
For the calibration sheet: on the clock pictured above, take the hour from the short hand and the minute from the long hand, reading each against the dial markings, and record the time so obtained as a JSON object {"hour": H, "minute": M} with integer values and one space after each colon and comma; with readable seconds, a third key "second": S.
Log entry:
{"hour": 3, "minute": 31}
